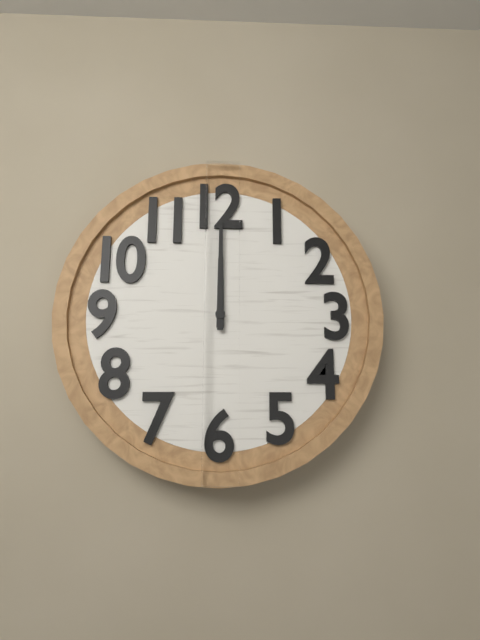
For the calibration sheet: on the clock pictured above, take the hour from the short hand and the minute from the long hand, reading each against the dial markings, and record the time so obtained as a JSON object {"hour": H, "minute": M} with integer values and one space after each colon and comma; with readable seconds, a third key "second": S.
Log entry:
{"hour": 12, "minute": 0}
